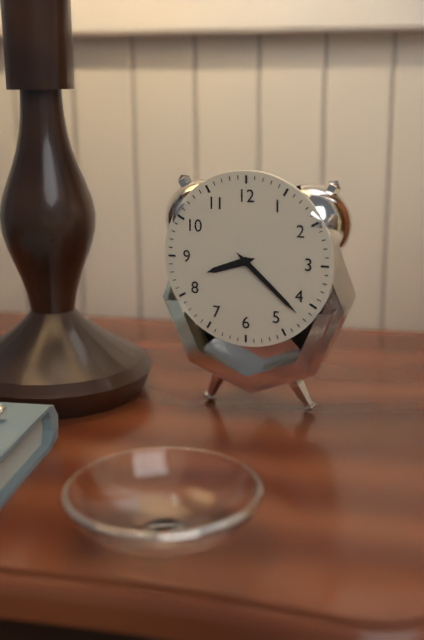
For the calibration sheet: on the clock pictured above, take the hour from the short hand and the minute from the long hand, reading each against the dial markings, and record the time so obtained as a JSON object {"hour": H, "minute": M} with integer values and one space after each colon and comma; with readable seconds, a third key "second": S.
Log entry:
{"hour": 8, "minute": 22}
